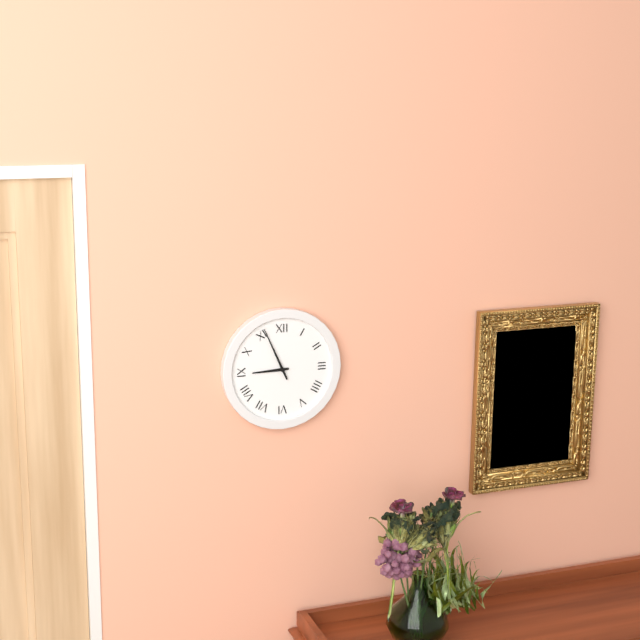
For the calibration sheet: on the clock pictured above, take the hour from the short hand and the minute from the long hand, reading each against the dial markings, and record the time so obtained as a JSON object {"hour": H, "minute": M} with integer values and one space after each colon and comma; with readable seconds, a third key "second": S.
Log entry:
{"hour": 8, "minute": 56}
